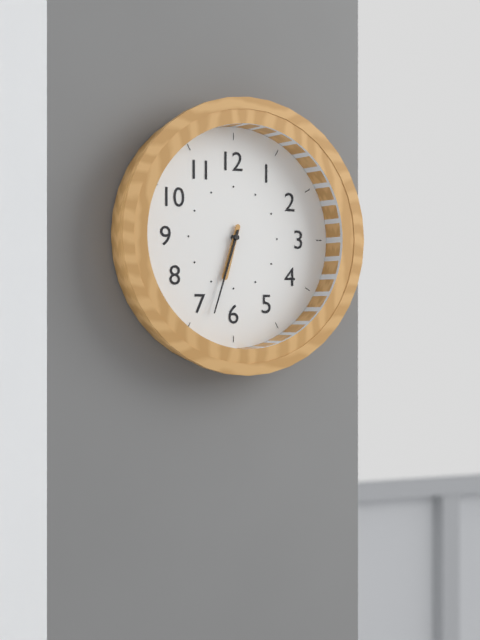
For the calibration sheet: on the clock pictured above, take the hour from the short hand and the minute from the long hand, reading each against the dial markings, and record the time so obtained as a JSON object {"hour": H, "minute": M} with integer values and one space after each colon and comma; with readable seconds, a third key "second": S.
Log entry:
{"hour": 6, "minute": 33}
